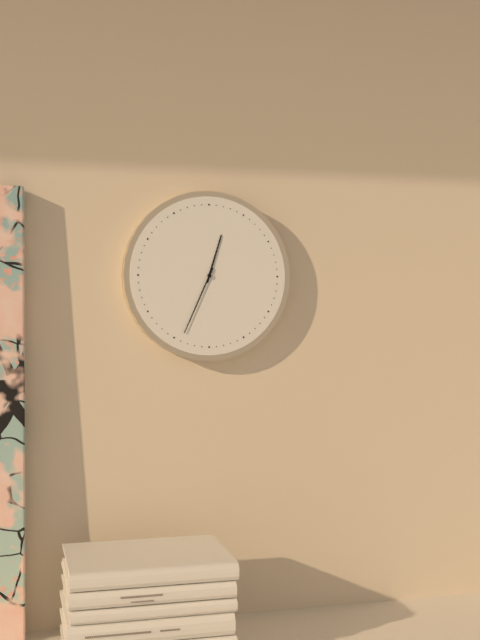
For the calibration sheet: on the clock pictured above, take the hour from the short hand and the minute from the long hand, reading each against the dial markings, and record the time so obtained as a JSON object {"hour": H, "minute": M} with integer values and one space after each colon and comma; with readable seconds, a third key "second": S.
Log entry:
{"hour": 12, "minute": 34}
